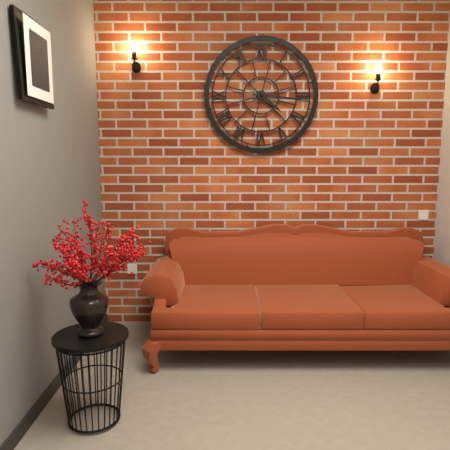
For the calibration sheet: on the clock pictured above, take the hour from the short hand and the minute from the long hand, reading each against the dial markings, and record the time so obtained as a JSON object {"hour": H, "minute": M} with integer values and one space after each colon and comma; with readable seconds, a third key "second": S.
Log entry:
{"hour": 4, "minute": 16}
